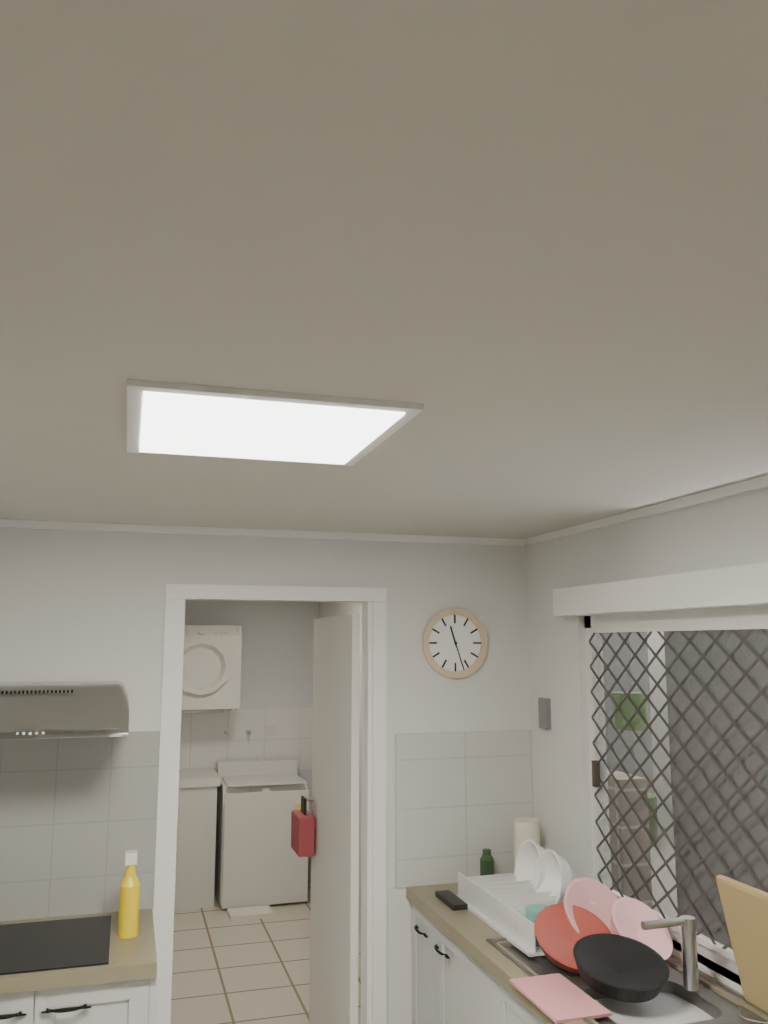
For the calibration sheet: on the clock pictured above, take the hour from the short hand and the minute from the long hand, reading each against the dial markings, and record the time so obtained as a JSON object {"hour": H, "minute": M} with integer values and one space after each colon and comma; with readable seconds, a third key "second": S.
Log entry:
{"hour": 11, "minute": 27}
